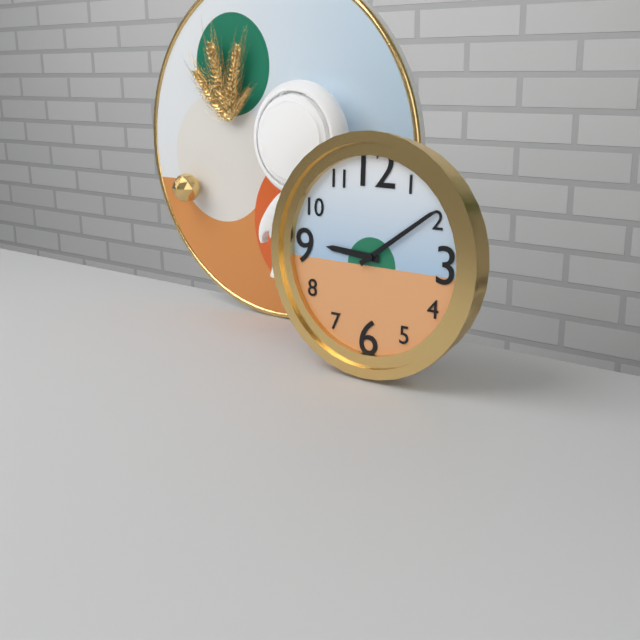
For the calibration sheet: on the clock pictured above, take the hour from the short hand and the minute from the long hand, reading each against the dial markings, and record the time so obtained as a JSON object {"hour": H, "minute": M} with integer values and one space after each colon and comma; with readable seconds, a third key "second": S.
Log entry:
{"hour": 9, "minute": 9}
